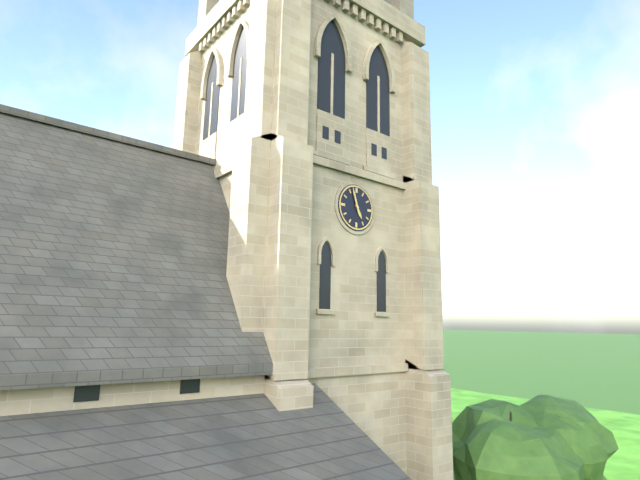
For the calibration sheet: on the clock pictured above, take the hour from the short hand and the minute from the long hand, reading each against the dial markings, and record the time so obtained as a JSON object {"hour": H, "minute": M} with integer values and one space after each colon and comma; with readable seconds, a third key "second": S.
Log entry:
{"hour": 4, "minute": 57}
